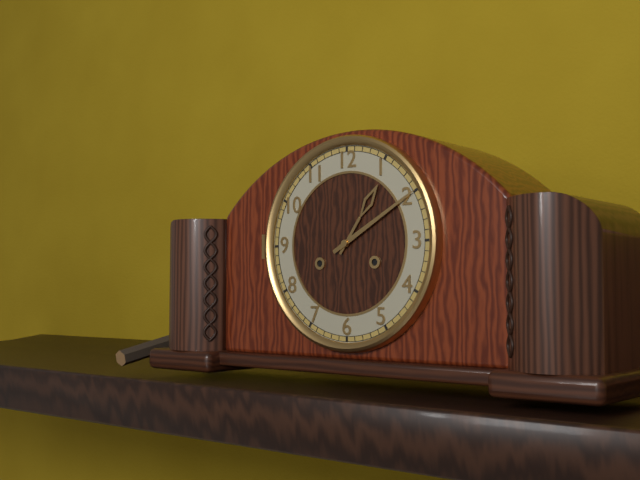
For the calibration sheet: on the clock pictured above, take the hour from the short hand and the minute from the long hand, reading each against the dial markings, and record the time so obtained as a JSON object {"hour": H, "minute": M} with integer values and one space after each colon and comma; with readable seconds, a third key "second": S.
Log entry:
{"hour": 1, "minute": 10}
